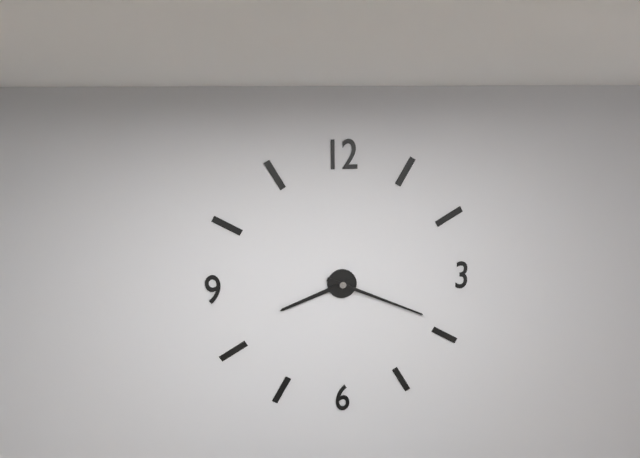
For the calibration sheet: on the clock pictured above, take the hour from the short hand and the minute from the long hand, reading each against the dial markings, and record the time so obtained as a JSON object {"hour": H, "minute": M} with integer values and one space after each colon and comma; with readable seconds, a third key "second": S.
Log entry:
{"hour": 8, "minute": 19}
